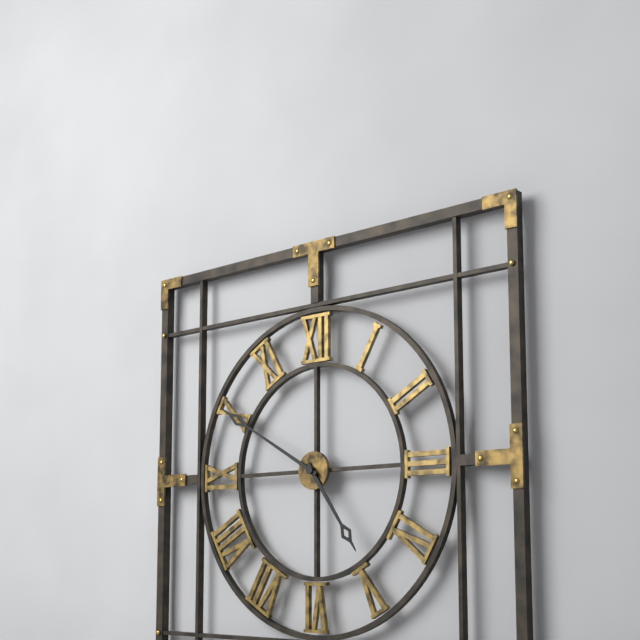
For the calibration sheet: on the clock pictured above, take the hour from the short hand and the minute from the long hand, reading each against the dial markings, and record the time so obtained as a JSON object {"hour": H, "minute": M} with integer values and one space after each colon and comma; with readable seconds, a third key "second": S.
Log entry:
{"hour": 4, "minute": 50}
